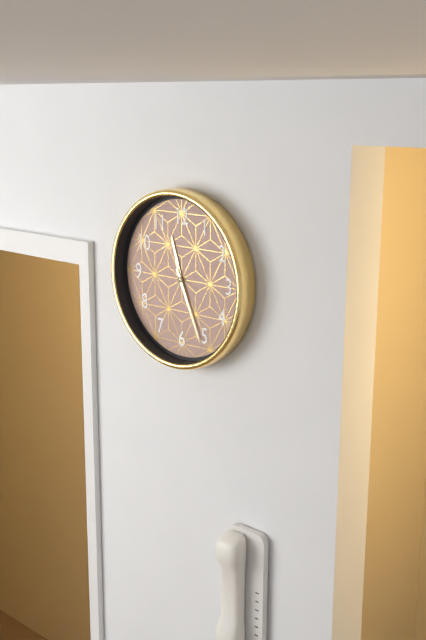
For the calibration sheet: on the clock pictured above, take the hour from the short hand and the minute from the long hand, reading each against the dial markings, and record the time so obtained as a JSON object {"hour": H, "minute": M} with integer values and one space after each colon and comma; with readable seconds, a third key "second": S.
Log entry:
{"hour": 11, "minute": 26}
